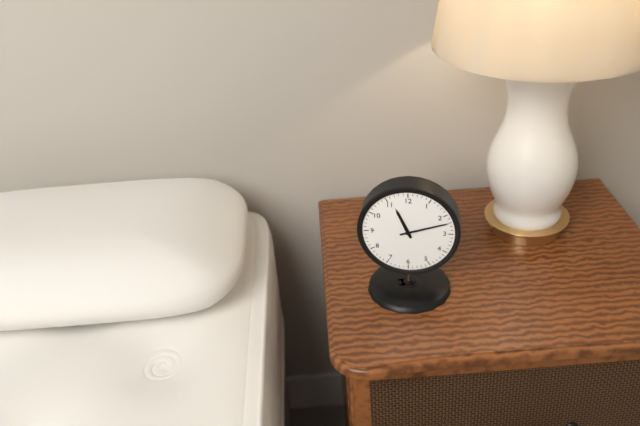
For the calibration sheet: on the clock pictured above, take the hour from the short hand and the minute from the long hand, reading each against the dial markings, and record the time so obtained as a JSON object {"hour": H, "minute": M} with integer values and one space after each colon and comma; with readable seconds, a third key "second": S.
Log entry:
{"hour": 11, "minute": 12}
